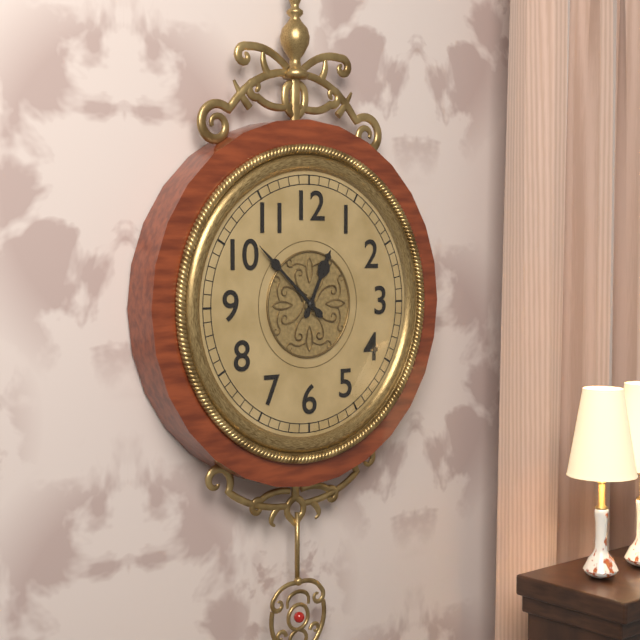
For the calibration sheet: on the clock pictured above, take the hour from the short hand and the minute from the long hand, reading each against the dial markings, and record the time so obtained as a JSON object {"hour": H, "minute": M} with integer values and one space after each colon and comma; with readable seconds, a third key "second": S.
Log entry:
{"hour": 12, "minute": 52}
